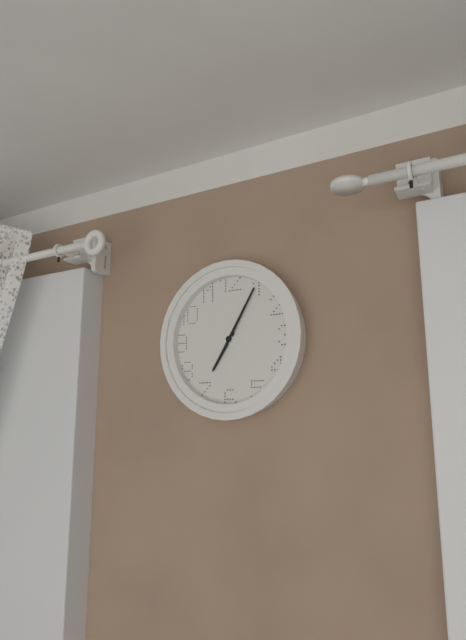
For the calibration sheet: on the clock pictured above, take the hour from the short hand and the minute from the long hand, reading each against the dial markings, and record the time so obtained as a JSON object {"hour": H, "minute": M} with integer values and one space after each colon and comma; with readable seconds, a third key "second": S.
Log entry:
{"hour": 7, "minute": 5}
